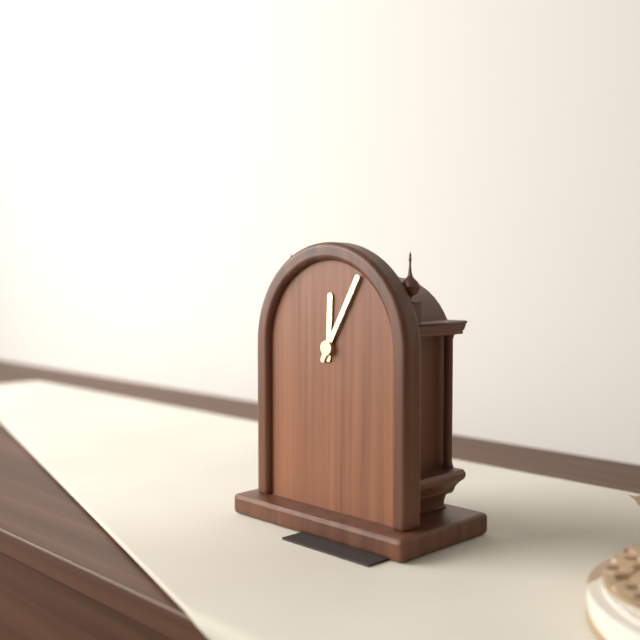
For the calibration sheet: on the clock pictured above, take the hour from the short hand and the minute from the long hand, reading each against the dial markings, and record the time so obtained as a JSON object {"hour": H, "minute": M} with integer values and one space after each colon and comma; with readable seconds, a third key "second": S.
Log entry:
{"hour": 12, "minute": 5}
